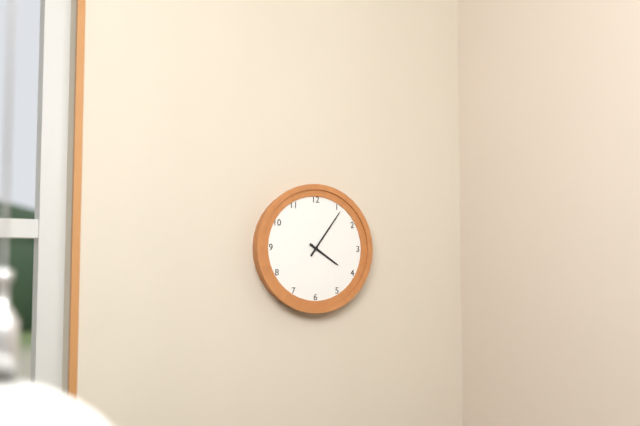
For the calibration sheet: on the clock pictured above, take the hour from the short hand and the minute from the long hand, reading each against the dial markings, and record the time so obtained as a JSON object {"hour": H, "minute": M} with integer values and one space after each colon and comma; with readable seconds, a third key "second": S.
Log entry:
{"hour": 4, "minute": 6}
